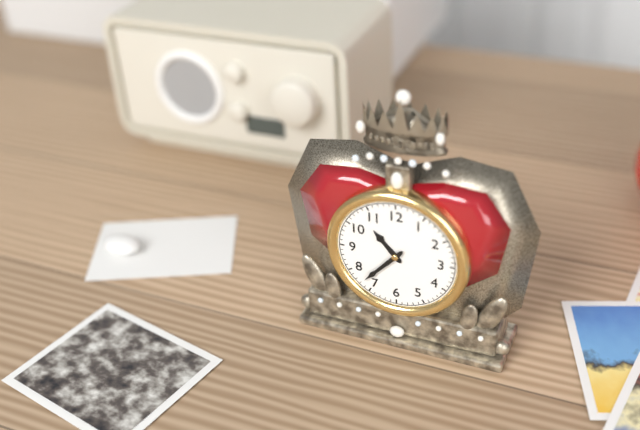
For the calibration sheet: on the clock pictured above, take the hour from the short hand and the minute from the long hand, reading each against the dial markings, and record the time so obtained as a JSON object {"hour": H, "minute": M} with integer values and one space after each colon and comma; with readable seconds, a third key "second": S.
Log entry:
{"hour": 10, "minute": 37}
